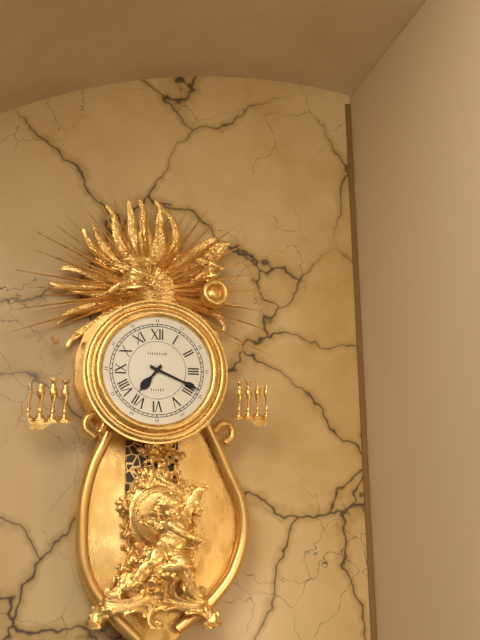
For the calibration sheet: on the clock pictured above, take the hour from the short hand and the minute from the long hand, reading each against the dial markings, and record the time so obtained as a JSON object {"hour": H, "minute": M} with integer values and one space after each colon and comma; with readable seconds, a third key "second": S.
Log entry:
{"hour": 7, "minute": 19}
